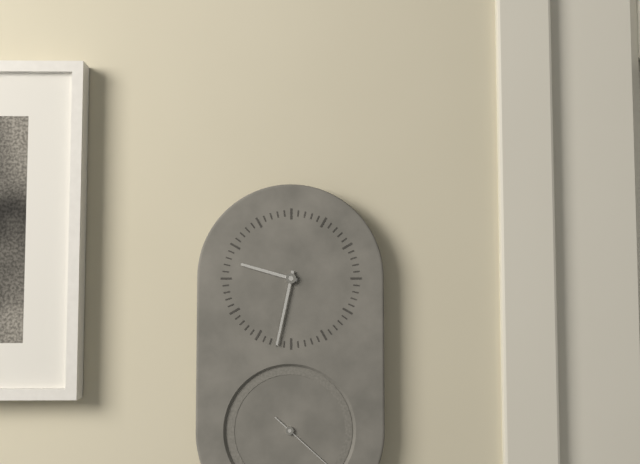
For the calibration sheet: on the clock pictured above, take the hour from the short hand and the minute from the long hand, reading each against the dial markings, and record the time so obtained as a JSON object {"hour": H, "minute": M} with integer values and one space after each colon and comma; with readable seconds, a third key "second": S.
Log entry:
{"hour": 9, "minute": 32}
